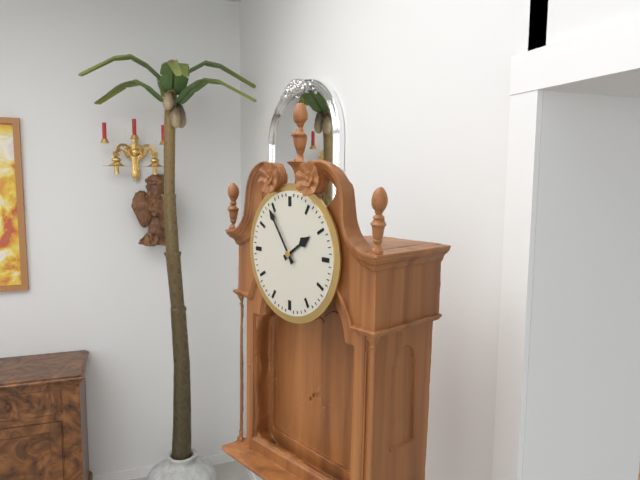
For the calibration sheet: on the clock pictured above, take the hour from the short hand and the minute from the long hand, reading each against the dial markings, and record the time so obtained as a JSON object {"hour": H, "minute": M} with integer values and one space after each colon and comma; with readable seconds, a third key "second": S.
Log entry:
{"hour": 1, "minute": 54}
